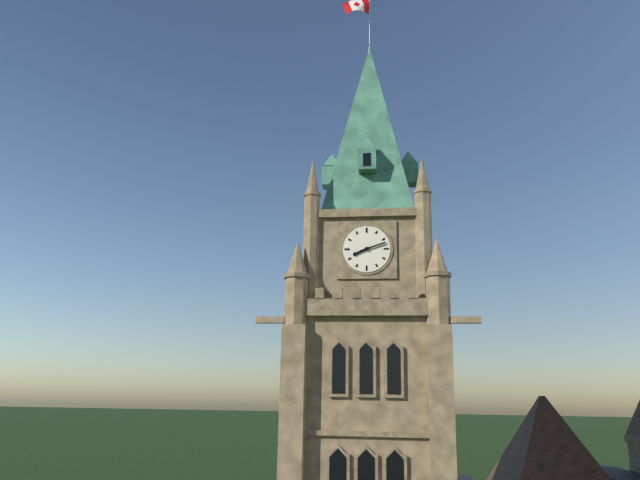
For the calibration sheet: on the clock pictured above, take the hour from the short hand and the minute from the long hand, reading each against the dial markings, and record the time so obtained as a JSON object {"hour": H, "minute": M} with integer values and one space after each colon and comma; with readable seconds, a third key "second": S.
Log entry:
{"hour": 8, "minute": 12}
